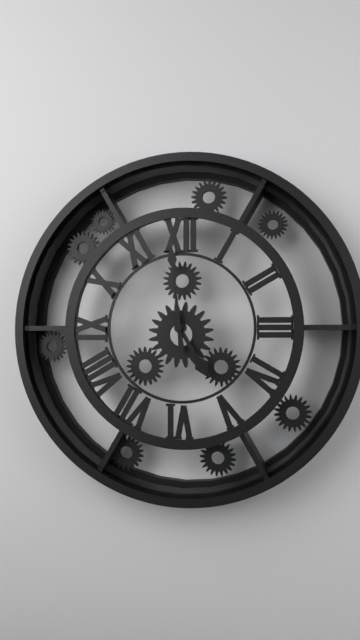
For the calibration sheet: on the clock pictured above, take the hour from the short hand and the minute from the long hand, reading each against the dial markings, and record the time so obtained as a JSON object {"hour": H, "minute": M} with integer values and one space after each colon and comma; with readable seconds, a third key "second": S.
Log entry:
{"hour": 4, "minute": 59}
